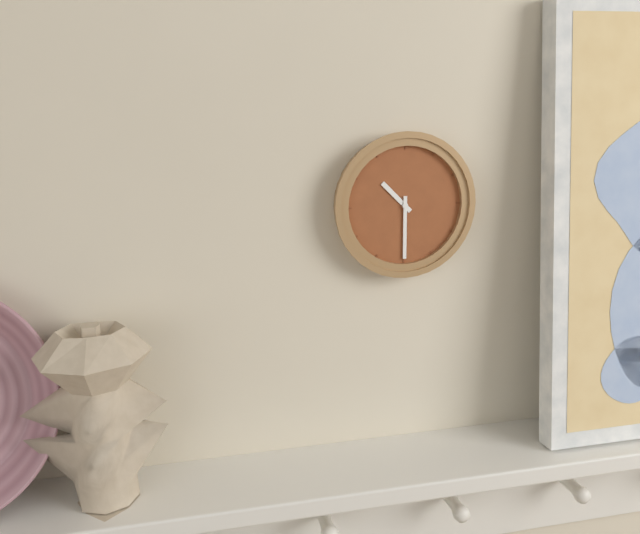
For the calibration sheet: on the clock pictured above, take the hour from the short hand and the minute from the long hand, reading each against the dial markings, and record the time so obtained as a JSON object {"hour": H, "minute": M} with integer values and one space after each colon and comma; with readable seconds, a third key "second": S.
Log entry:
{"hour": 10, "minute": 30}
